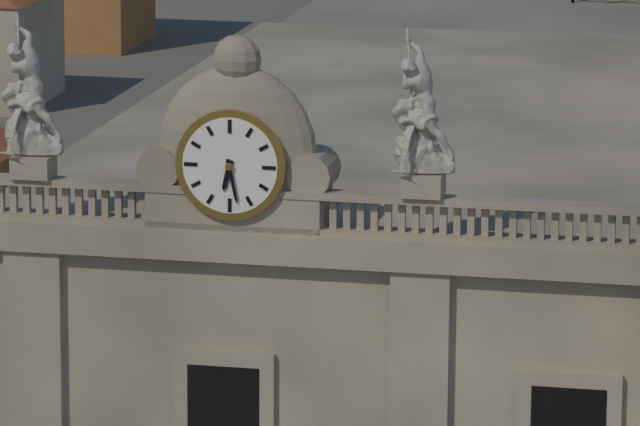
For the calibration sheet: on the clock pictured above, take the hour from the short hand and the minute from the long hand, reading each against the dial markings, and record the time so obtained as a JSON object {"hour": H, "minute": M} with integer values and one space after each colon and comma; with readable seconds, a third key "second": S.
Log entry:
{"hour": 6, "minute": 28}
